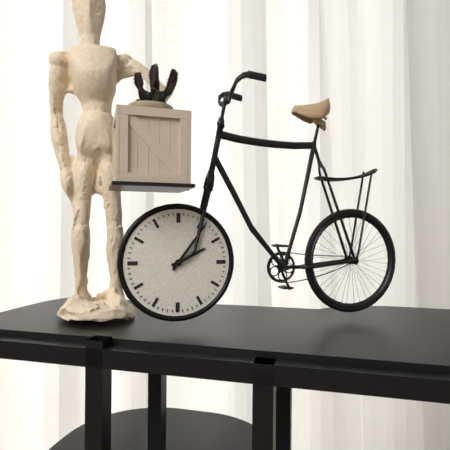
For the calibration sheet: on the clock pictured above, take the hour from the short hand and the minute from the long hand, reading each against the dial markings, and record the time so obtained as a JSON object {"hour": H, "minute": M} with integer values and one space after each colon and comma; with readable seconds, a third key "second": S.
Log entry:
{"hour": 2, "minute": 6}
